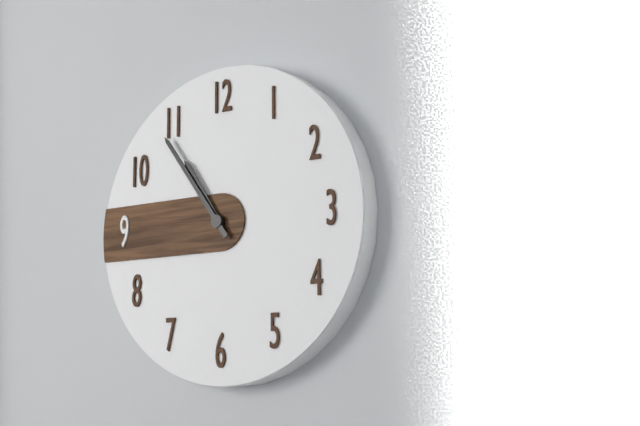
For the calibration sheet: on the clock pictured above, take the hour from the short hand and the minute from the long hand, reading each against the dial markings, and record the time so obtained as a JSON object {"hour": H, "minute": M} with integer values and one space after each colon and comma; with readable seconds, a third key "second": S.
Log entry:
{"hour": 10, "minute": 54}
